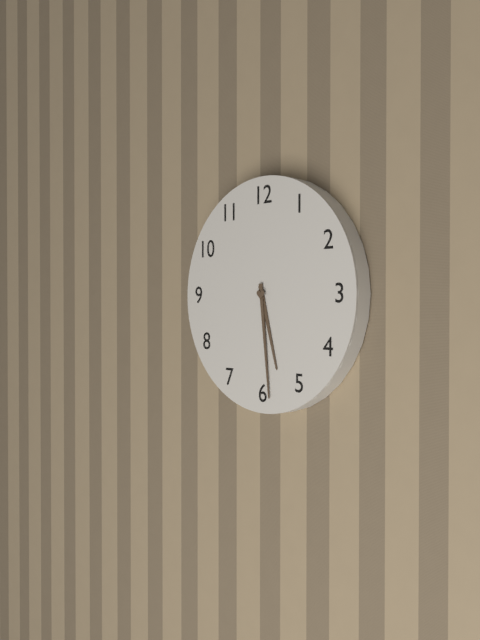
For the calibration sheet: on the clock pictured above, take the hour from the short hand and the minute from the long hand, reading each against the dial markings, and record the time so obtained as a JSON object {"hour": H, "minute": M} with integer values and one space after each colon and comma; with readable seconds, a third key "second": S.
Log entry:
{"hour": 5, "minute": 29}
